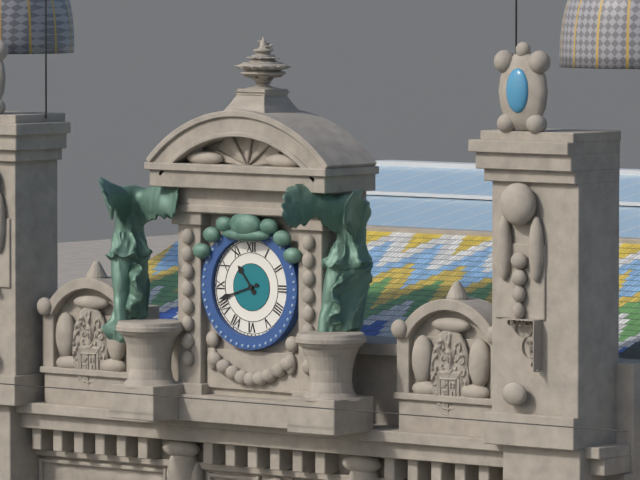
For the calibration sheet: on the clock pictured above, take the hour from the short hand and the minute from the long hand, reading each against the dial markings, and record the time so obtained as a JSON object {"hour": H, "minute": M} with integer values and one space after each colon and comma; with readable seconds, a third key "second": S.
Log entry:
{"hour": 10, "minute": 42}
